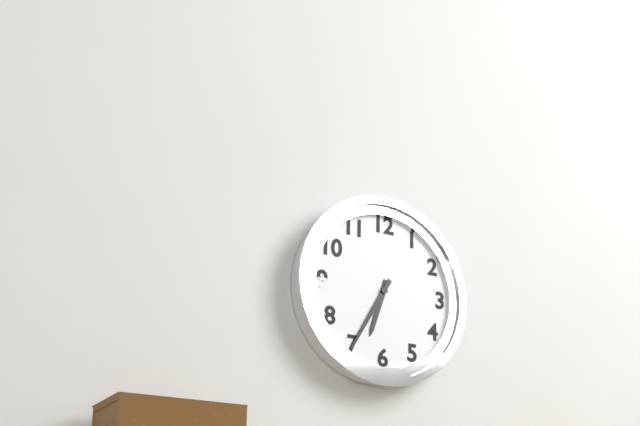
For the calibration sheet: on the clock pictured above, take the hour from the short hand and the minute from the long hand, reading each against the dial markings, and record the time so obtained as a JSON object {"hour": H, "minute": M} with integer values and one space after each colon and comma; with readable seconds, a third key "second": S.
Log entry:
{"hour": 6, "minute": 35}
